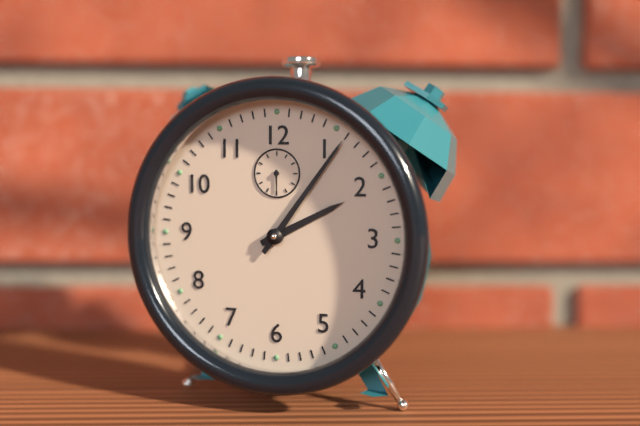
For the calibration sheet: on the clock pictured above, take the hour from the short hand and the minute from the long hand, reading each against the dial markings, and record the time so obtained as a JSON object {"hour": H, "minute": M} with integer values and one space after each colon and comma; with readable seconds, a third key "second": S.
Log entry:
{"hour": 2, "minute": 6}
